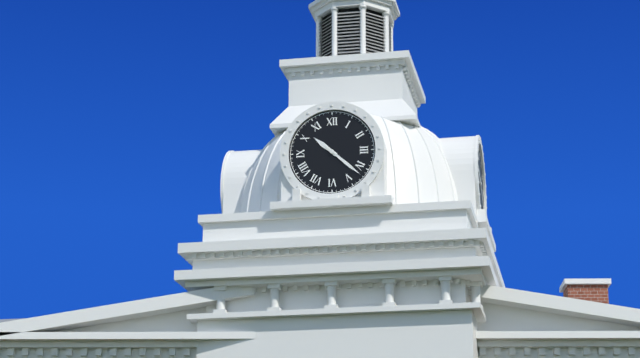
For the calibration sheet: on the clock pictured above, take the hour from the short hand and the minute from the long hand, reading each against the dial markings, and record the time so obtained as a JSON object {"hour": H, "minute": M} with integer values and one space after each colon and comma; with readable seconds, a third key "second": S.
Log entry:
{"hour": 10, "minute": 22}
